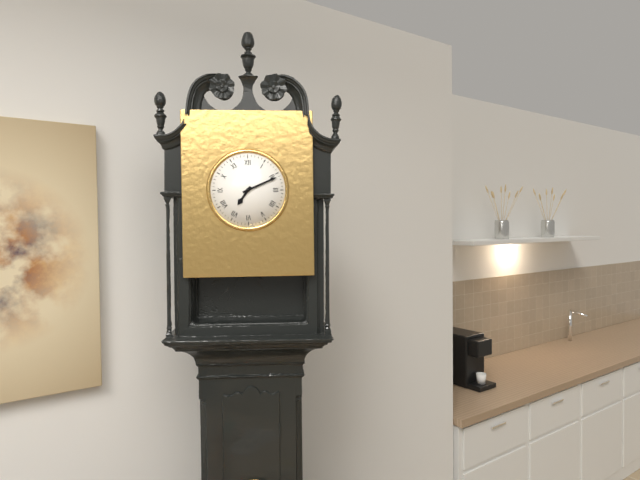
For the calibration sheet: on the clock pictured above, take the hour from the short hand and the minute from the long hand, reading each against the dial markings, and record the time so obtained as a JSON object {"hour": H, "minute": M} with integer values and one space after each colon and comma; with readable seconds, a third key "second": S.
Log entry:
{"hour": 7, "minute": 11}
